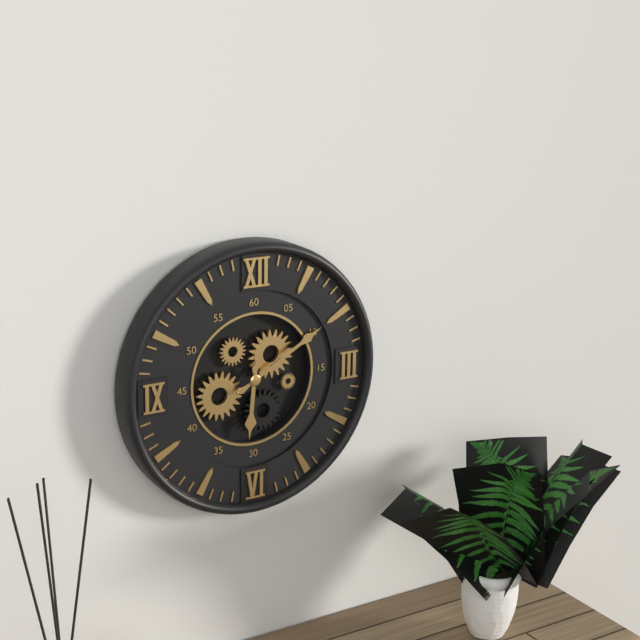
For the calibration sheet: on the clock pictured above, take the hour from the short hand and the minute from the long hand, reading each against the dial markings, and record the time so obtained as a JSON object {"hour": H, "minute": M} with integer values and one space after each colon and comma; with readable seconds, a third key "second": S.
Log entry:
{"hour": 6, "minute": 10}
